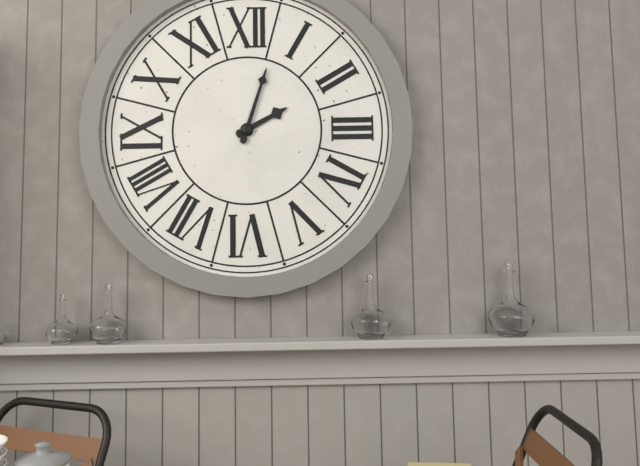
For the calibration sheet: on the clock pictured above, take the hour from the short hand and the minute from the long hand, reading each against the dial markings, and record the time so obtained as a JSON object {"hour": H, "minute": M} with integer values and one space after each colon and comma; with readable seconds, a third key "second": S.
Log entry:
{"hour": 2, "minute": 3}
